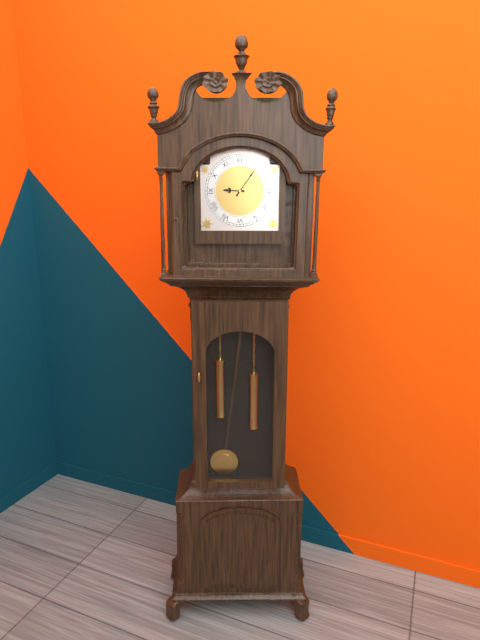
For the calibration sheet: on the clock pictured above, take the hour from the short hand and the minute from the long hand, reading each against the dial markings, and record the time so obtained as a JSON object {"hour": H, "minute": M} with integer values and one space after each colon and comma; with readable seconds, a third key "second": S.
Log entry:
{"hour": 9, "minute": 6}
